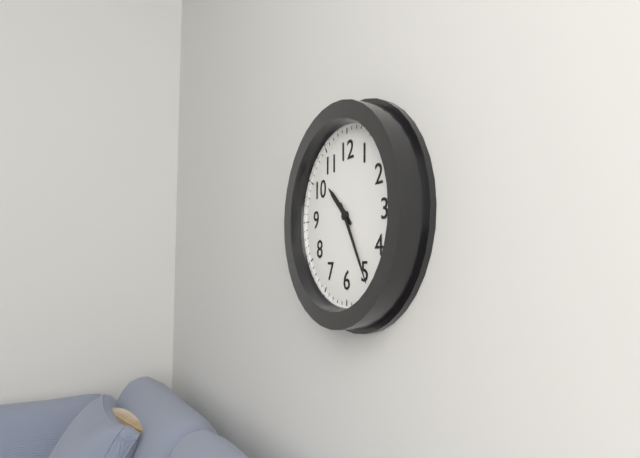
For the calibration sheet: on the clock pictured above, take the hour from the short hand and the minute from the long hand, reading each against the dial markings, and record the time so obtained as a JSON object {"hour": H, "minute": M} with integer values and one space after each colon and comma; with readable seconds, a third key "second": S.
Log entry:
{"hour": 10, "minute": 25}
